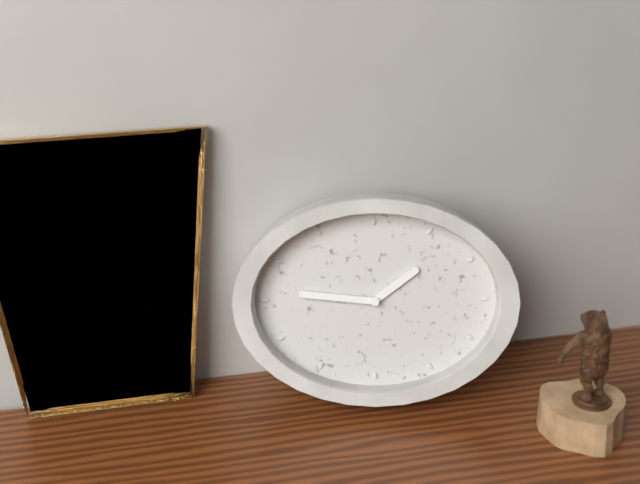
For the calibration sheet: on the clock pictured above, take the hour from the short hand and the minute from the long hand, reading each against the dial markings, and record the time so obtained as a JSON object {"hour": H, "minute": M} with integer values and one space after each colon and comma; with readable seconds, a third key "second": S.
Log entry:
{"hour": 1, "minute": 46}
